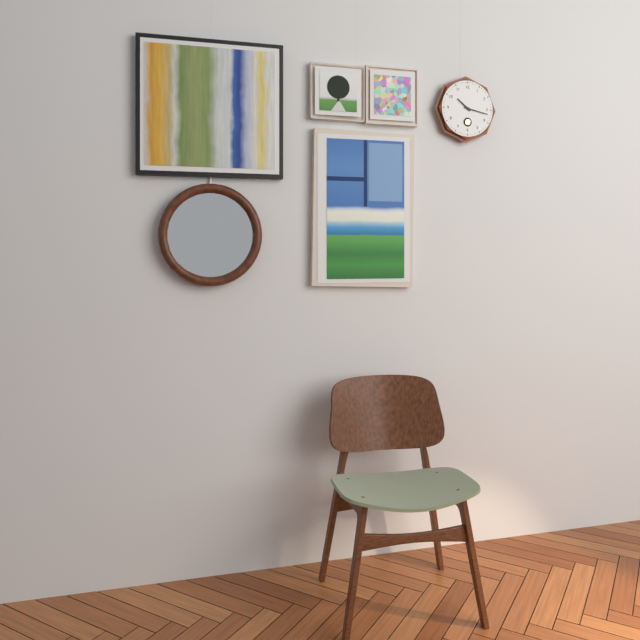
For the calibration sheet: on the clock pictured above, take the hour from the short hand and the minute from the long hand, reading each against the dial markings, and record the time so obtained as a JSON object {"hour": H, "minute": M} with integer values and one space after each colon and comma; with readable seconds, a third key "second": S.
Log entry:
{"hour": 10, "minute": 17}
